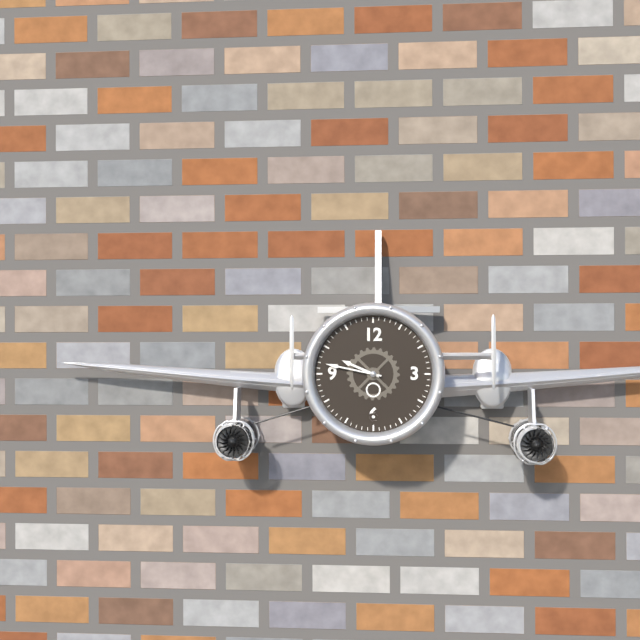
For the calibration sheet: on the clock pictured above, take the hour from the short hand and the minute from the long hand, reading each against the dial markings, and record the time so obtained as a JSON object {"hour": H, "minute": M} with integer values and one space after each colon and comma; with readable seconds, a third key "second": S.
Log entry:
{"hour": 9, "minute": 47}
